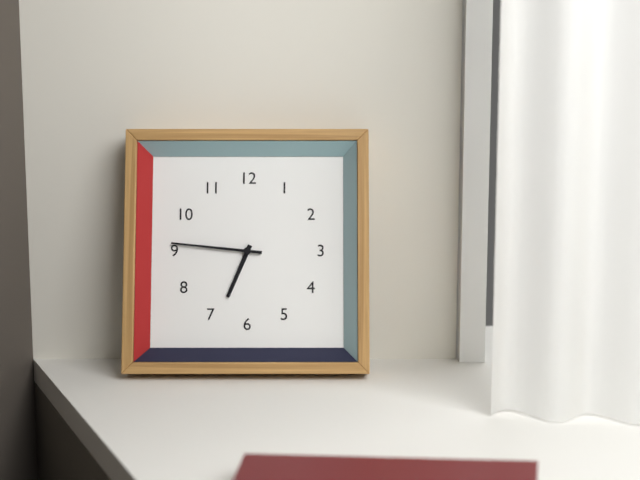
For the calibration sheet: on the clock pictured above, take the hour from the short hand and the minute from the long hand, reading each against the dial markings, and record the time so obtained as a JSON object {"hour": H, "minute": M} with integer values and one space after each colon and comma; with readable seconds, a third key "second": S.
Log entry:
{"hour": 6, "minute": 46}
